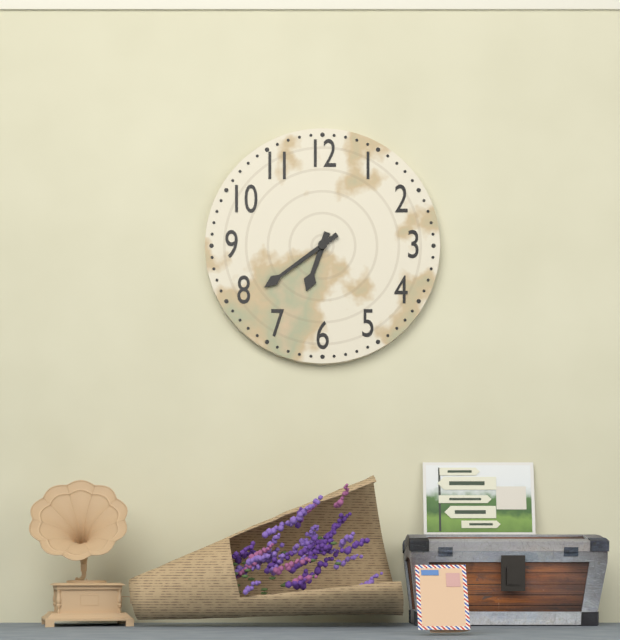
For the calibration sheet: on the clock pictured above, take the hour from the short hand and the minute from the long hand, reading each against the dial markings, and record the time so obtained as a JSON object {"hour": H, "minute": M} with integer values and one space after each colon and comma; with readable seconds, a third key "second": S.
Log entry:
{"hour": 6, "minute": 39}
